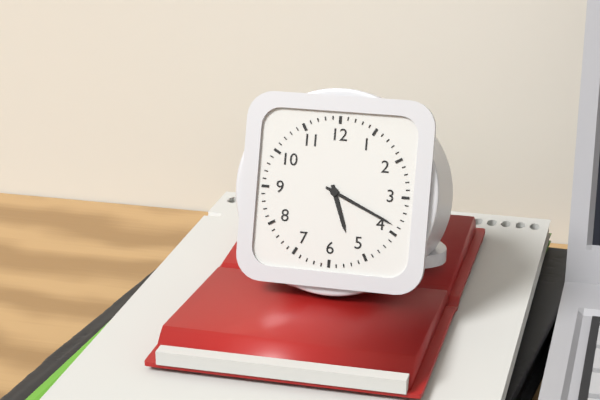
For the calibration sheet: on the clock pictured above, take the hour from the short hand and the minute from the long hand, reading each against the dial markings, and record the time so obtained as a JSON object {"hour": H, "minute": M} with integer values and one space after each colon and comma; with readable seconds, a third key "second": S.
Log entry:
{"hour": 5, "minute": 19}
